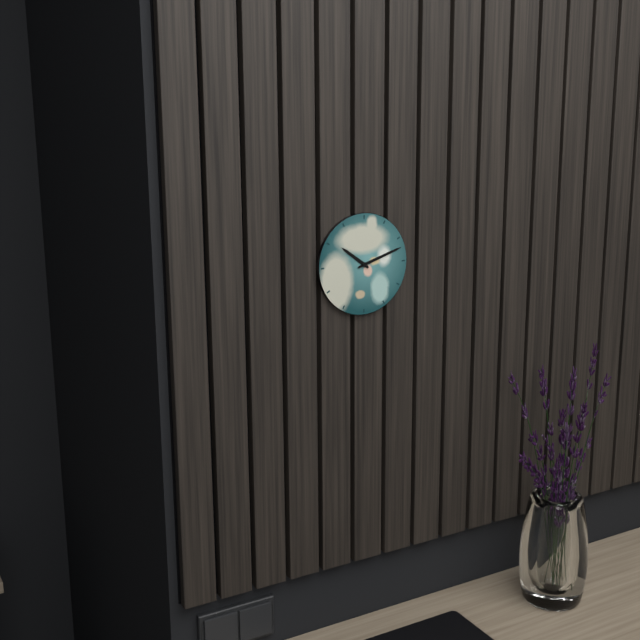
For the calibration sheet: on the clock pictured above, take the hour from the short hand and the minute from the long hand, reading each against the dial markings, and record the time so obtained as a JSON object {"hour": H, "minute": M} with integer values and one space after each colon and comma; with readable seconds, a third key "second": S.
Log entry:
{"hour": 10, "minute": 12}
